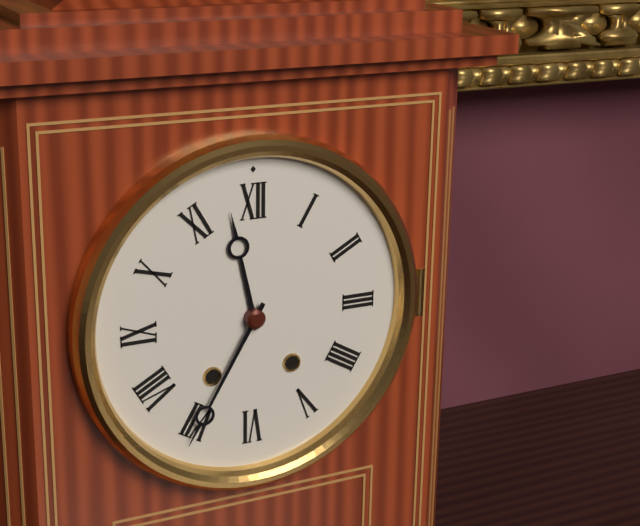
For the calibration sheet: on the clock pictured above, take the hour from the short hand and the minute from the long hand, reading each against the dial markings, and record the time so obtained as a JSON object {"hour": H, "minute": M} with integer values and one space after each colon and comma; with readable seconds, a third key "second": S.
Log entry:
{"hour": 11, "minute": 35}
